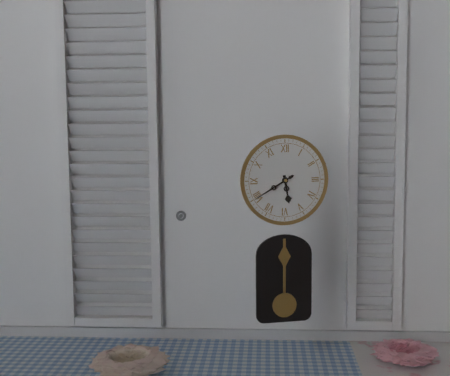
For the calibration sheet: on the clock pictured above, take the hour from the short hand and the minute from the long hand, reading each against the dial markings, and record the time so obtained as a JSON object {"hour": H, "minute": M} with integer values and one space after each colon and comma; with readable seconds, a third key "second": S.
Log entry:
{"hour": 5, "minute": 40}
